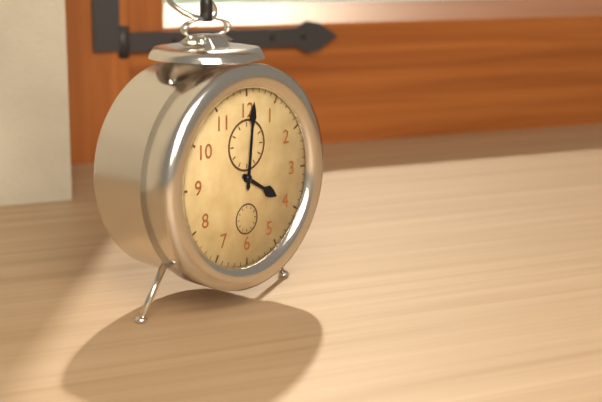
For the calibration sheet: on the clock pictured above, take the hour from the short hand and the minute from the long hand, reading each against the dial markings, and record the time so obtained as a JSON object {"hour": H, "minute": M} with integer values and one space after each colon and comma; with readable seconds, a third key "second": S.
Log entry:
{"hour": 4, "minute": 1}
